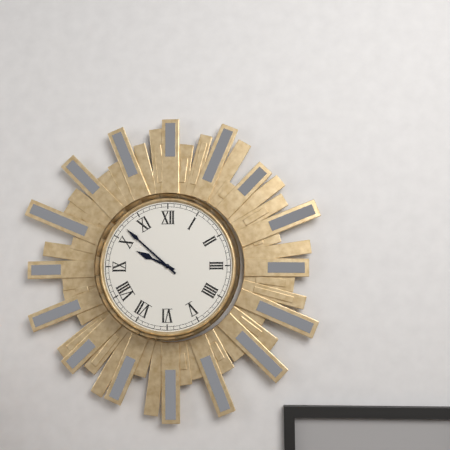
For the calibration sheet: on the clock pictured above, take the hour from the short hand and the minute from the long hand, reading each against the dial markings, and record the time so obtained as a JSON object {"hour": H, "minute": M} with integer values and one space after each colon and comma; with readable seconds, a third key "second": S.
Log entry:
{"hour": 9, "minute": 52}
